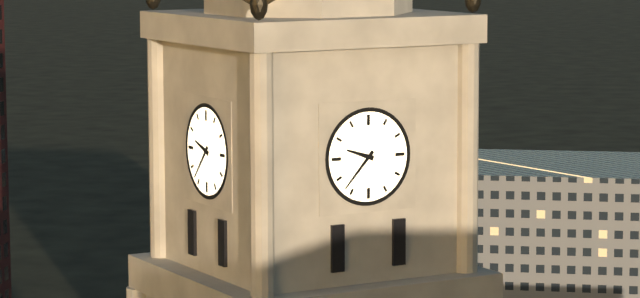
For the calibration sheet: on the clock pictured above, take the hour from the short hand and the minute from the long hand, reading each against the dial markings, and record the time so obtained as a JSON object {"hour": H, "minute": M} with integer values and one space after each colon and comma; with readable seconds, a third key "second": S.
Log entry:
{"hour": 9, "minute": 37}
